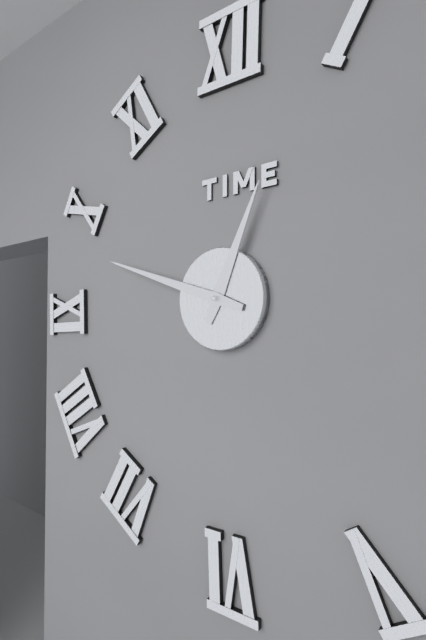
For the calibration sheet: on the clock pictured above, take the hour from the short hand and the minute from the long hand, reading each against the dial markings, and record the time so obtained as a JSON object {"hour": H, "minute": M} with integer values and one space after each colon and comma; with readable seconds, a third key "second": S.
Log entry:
{"hour": 12, "minute": 48}
